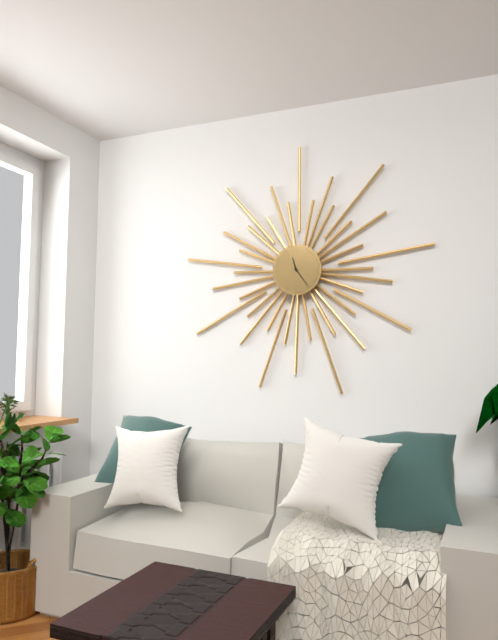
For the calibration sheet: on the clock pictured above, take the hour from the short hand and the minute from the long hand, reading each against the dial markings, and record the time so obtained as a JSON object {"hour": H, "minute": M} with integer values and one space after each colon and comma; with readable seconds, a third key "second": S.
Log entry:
{"hour": 11, "minute": 24}
